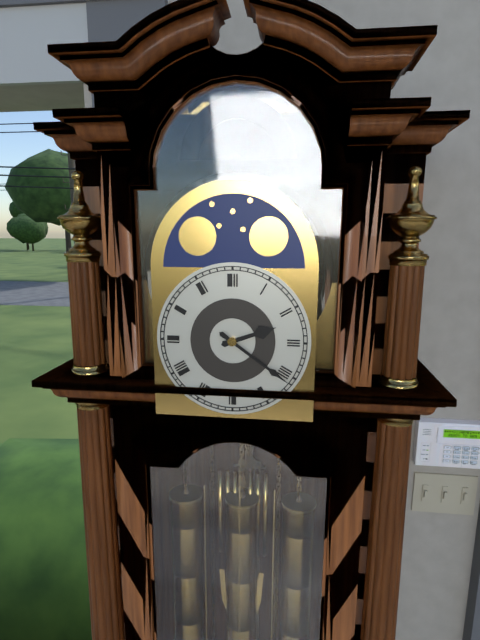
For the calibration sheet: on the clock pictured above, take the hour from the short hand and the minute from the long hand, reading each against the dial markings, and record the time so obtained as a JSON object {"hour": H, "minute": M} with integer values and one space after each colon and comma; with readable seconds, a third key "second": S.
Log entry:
{"hour": 2, "minute": 21}
